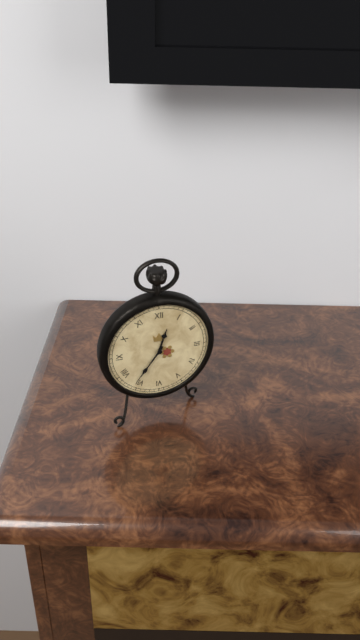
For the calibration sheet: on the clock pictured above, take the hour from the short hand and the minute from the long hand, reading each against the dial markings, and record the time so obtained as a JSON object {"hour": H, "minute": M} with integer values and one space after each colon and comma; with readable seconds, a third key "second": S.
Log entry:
{"hour": 12, "minute": 36}
